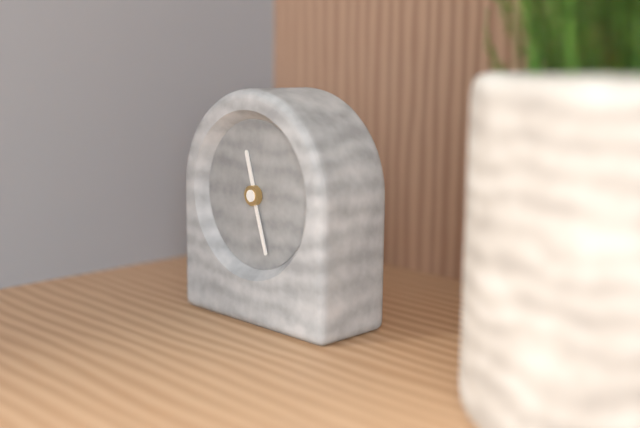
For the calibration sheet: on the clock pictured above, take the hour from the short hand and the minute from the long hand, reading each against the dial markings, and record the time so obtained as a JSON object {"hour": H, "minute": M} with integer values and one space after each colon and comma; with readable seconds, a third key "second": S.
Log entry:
{"hour": 11, "minute": 27}
